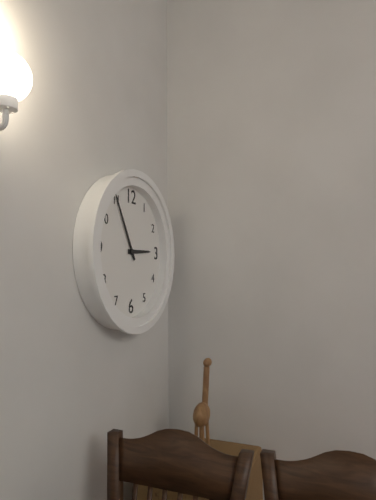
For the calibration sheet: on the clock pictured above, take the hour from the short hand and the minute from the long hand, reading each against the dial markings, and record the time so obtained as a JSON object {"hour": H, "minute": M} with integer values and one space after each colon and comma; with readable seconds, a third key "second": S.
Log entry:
{"hour": 2, "minute": 55}
